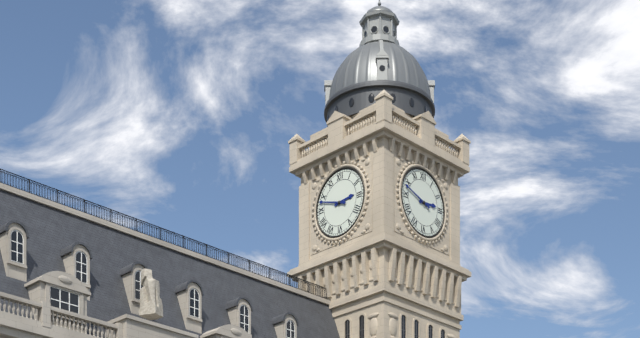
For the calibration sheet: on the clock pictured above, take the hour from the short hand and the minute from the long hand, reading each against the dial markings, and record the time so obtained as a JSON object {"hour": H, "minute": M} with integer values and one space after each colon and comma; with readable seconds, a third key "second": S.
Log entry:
{"hour": 2, "minute": 48}
